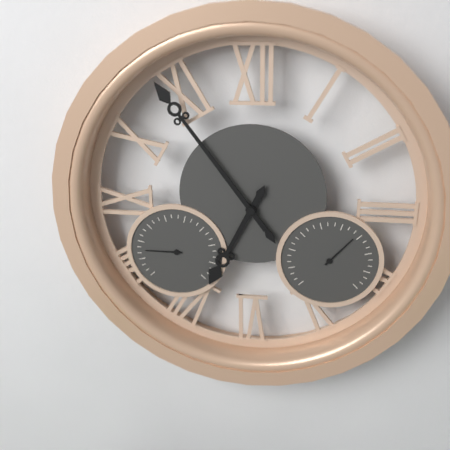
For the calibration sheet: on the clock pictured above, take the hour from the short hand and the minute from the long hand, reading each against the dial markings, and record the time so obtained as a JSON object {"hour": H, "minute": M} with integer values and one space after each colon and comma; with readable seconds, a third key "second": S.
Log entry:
{"hour": 6, "minute": 54}
